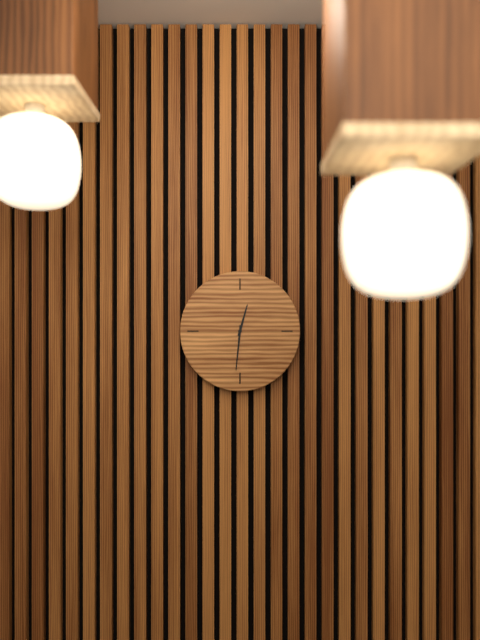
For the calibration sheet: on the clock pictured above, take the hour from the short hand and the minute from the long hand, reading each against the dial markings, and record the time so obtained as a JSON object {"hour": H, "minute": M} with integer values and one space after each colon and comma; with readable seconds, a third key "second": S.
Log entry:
{"hour": 12, "minute": 31}
